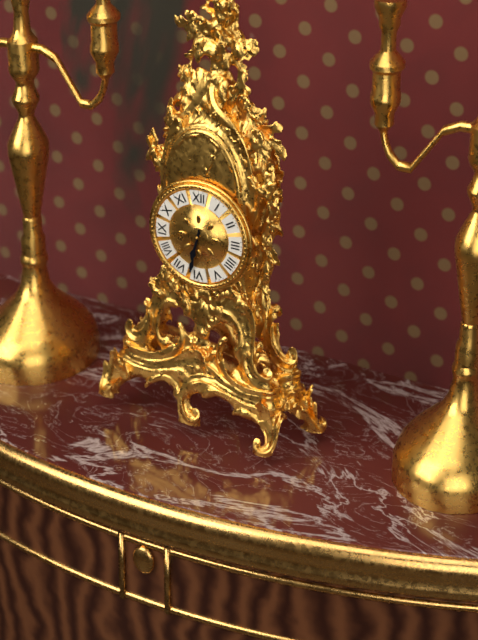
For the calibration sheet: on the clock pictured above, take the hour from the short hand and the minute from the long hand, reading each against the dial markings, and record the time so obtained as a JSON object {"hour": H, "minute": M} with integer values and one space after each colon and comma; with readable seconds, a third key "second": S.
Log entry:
{"hour": 6, "minute": 32}
